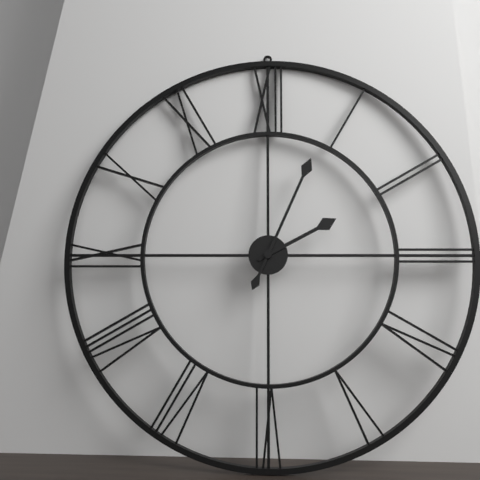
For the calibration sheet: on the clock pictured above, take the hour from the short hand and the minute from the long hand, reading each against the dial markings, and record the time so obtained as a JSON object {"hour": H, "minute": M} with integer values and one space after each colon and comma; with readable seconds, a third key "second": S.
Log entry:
{"hour": 2, "minute": 4}
